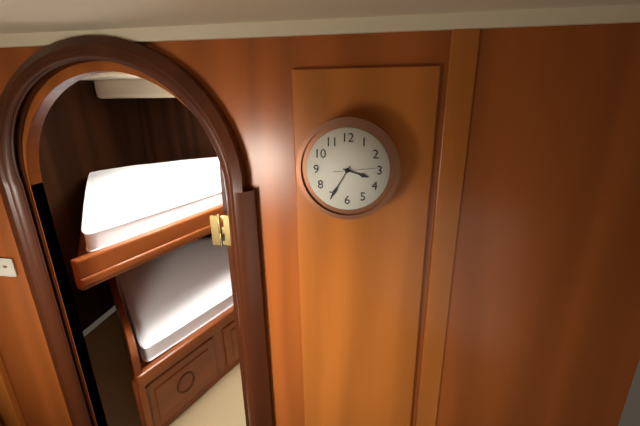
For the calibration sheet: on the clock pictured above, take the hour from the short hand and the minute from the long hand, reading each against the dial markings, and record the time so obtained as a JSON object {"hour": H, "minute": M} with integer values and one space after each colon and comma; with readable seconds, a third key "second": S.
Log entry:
{"hour": 3, "minute": 35}
